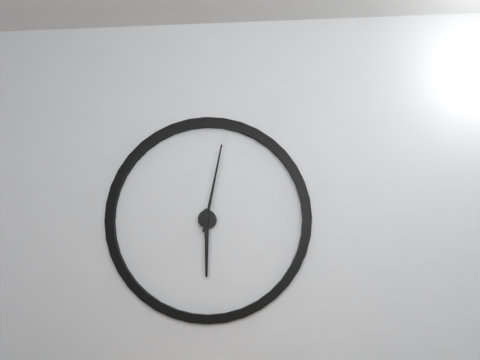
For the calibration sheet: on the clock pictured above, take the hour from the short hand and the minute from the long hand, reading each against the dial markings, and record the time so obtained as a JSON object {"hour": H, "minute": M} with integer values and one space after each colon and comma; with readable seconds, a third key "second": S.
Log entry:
{"hour": 6, "minute": 2}
